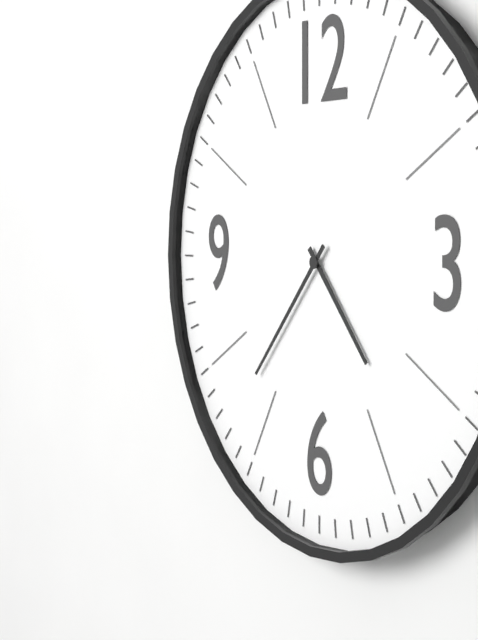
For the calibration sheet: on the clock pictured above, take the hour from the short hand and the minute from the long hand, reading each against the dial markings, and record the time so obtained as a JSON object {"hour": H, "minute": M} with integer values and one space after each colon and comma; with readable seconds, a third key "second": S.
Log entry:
{"hour": 4, "minute": 37}
